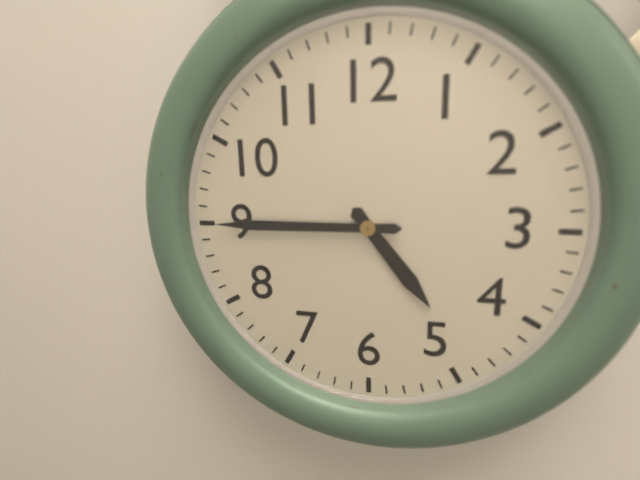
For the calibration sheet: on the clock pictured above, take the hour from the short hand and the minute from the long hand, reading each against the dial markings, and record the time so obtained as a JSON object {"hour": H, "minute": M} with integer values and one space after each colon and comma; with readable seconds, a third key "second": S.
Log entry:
{"hour": 4, "minute": 45}
